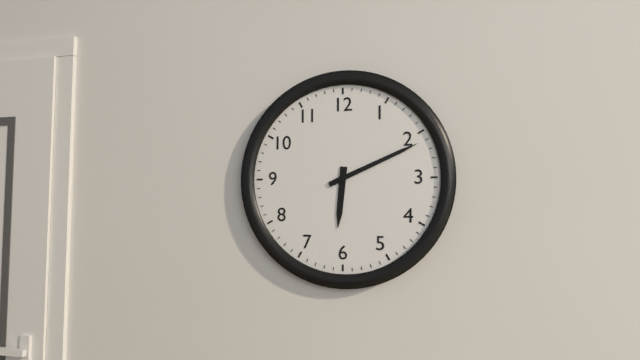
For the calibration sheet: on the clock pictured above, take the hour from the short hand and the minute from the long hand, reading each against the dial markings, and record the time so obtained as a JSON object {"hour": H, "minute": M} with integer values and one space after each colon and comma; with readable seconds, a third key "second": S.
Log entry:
{"hour": 6, "minute": 11}
